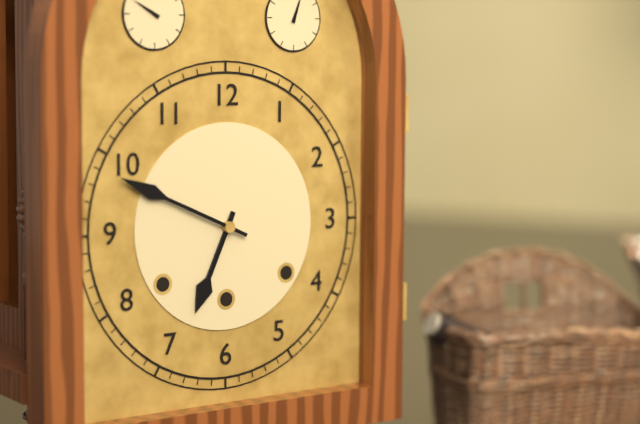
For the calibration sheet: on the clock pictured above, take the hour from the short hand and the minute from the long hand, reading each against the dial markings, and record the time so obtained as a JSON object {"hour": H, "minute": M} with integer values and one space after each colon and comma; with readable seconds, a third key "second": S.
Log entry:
{"hour": 6, "minute": 49}
